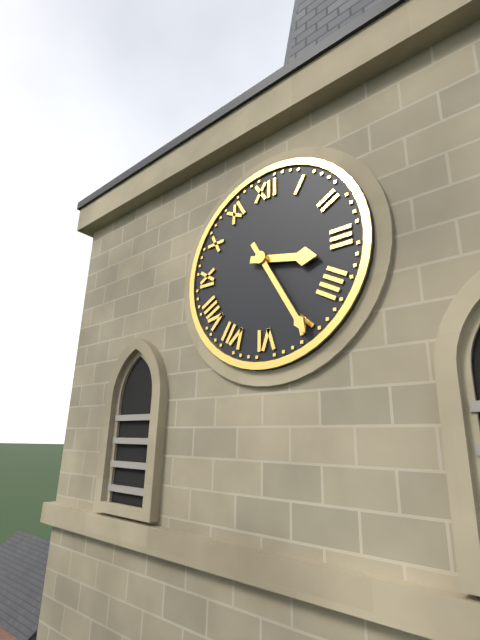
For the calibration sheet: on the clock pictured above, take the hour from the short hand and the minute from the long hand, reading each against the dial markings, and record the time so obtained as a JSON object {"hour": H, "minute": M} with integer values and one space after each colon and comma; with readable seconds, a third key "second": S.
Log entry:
{"hour": 3, "minute": 25}
